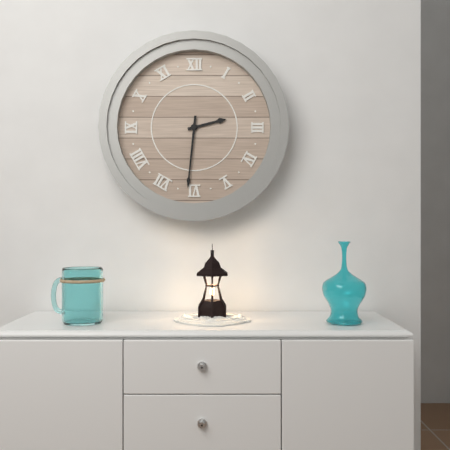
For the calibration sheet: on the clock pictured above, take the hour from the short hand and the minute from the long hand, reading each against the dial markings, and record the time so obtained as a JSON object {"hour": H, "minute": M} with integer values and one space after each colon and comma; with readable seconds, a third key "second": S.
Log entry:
{"hour": 2, "minute": 31}
